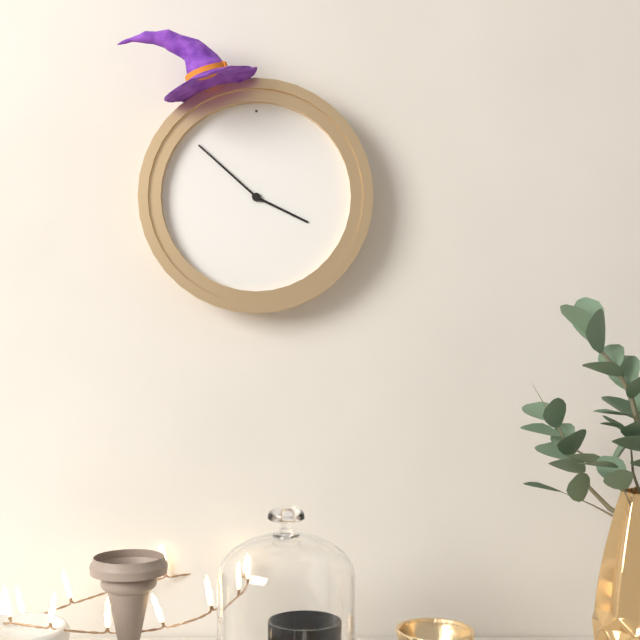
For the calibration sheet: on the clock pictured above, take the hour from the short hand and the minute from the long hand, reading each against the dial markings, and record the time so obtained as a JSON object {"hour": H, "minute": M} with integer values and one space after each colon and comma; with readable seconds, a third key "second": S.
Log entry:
{"hour": 3, "minute": 52}
